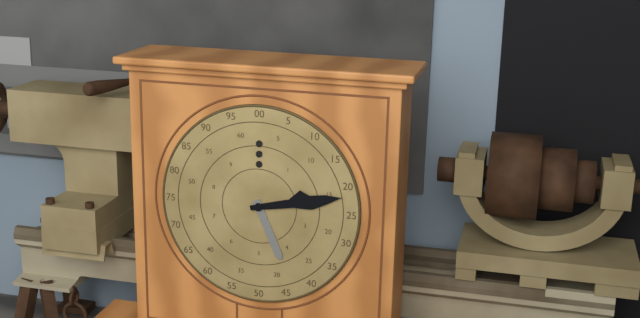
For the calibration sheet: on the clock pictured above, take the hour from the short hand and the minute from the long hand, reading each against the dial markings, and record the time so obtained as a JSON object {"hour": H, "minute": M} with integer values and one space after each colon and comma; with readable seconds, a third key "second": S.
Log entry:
{"hour": 5, "minute": 13}
